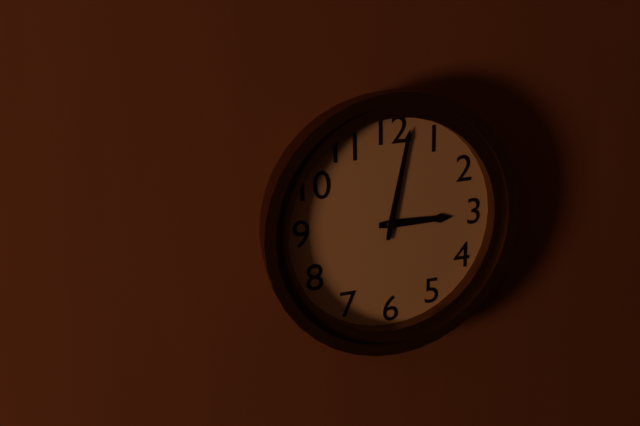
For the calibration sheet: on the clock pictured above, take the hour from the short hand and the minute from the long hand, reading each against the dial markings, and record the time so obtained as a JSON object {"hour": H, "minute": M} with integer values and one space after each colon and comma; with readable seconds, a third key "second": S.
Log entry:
{"hour": 3, "minute": 2}
